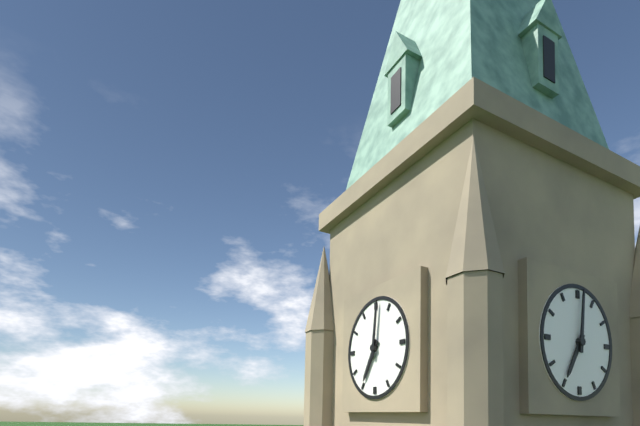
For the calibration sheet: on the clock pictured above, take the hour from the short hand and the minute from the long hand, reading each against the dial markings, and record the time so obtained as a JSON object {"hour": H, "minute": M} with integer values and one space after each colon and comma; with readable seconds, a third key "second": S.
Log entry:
{"hour": 7, "minute": 1}
